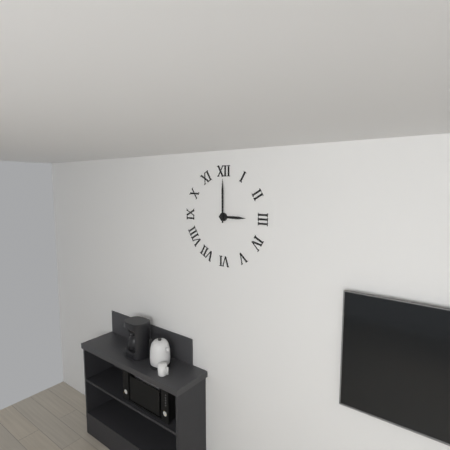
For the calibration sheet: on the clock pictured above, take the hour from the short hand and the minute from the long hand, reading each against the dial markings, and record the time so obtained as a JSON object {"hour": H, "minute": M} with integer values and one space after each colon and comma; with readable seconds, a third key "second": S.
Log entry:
{"hour": 3, "minute": 0}
